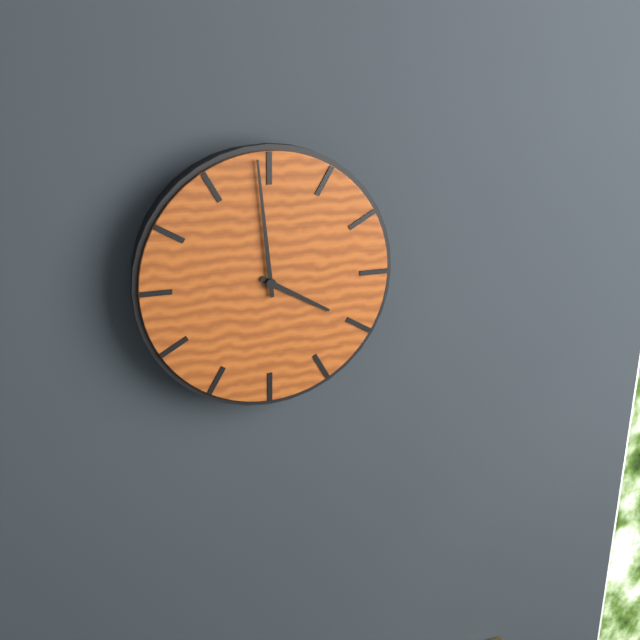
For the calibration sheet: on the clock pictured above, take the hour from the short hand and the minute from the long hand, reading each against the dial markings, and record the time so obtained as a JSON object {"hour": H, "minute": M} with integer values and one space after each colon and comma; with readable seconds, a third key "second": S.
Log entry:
{"hour": 3, "minute": 59}
